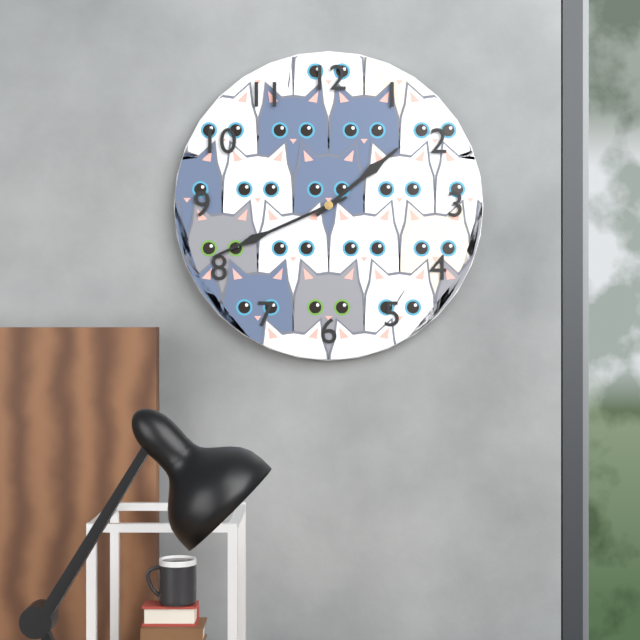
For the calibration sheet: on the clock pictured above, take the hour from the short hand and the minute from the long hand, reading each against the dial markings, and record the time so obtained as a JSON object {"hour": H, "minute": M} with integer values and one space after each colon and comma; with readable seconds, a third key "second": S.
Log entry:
{"hour": 1, "minute": 41}
